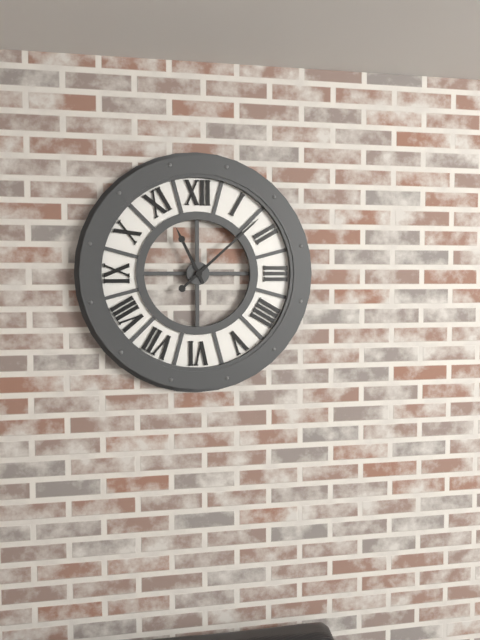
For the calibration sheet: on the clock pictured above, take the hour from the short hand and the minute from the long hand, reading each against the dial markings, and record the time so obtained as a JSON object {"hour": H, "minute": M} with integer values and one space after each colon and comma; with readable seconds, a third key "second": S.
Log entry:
{"hour": 11, "minute": 8}
